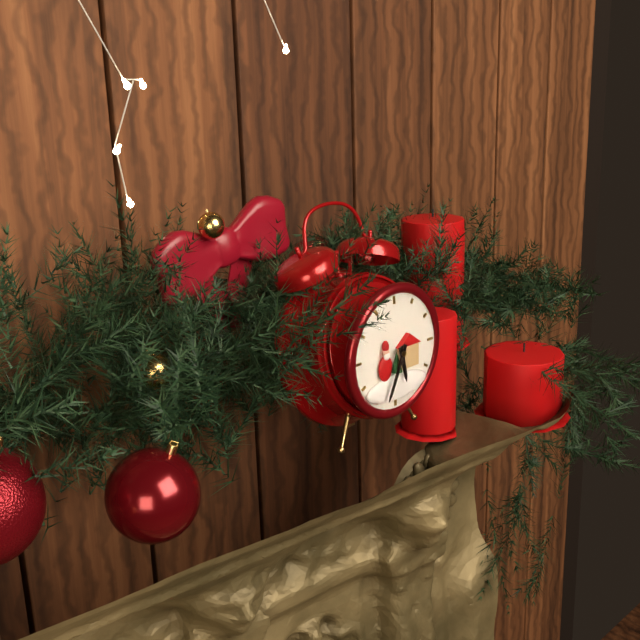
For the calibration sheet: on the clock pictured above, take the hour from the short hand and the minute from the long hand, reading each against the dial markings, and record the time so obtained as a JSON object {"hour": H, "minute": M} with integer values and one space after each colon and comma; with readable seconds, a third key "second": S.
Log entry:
{"hour": 5, "minute": 34}
